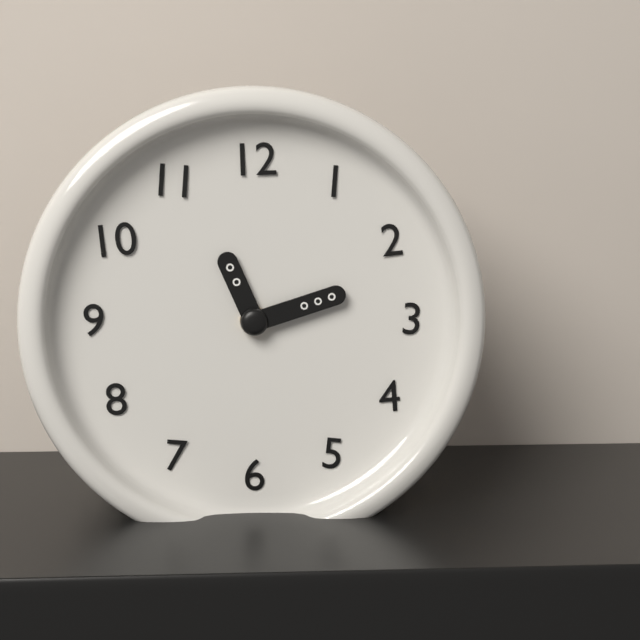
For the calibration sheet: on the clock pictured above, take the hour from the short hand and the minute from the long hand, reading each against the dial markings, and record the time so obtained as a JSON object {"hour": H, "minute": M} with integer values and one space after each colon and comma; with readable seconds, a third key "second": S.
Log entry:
{"hour": 11, "minute": 12}
